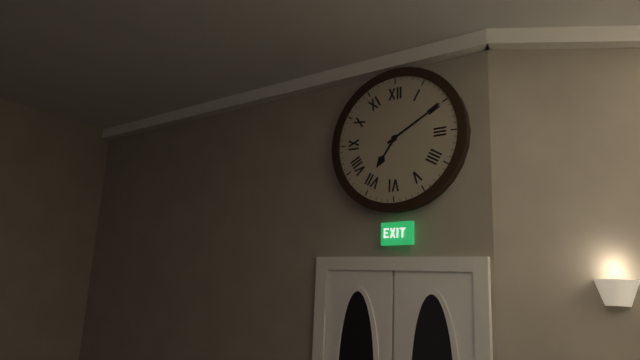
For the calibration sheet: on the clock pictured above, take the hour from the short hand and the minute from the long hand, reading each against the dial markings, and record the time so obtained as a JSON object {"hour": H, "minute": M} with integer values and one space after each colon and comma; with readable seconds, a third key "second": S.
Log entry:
{"hour": 7, "minute": 10}
